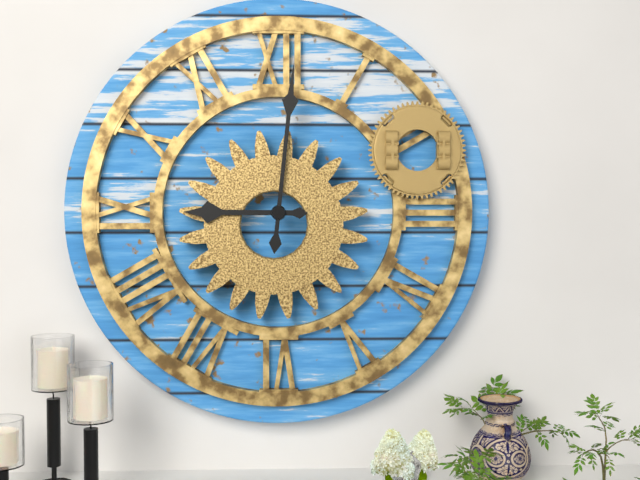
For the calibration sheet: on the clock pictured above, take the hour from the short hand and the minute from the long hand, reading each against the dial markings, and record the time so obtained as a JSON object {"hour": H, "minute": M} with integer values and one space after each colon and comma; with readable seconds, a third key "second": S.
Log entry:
{"hour": 9, "minute": 1}
